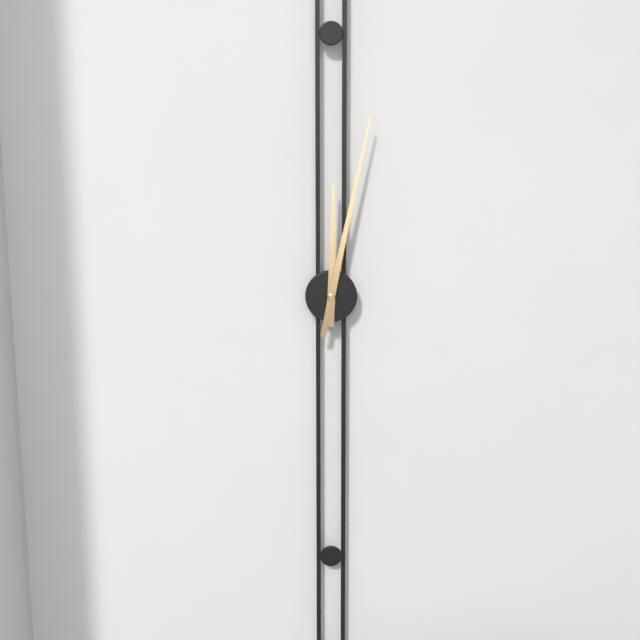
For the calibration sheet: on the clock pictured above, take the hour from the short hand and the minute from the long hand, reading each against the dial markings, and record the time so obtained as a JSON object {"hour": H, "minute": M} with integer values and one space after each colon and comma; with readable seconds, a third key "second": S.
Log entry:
{"hour": 12, "minute": 2}
